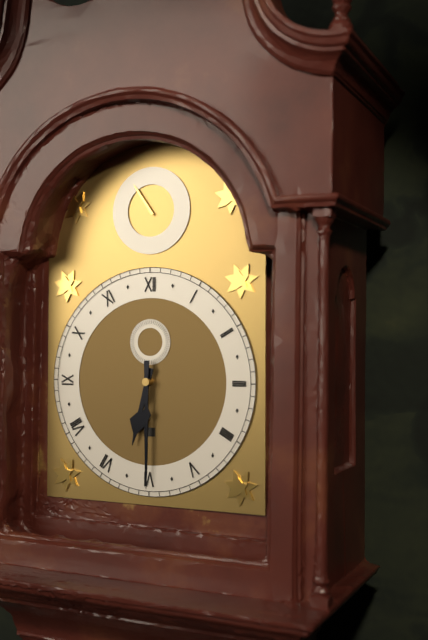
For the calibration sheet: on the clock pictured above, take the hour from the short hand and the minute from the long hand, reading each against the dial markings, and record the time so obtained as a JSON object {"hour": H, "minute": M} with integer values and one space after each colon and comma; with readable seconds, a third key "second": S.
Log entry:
{"hour": 6, "minute": 30}
